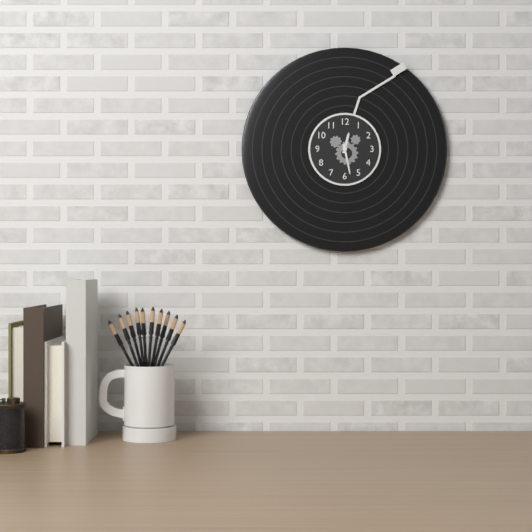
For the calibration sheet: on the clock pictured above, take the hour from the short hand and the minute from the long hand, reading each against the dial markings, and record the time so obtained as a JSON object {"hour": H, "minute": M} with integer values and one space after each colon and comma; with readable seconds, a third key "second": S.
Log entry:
{"hour": 12, "minute": 28}
